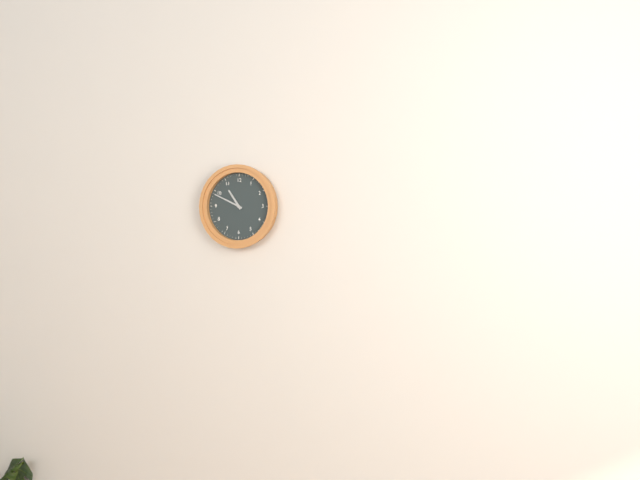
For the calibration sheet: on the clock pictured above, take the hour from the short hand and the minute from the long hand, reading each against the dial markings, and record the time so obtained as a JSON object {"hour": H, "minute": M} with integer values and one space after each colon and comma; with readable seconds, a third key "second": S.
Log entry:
{"hour": 10, "minute": 49}
